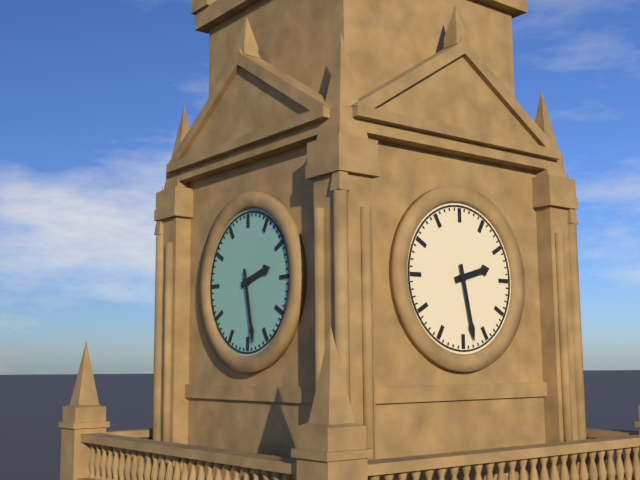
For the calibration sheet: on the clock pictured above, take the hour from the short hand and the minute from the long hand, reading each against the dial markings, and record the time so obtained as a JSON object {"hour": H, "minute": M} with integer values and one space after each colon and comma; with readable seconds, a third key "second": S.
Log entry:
{"hour": 2, "minute": 28}
